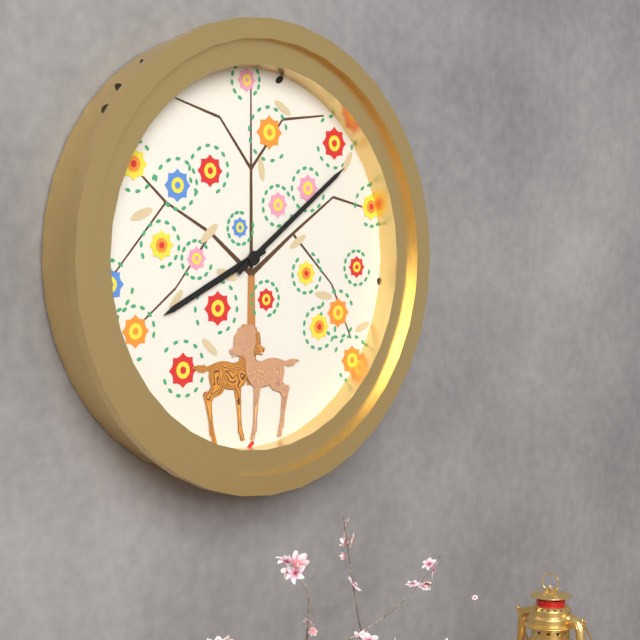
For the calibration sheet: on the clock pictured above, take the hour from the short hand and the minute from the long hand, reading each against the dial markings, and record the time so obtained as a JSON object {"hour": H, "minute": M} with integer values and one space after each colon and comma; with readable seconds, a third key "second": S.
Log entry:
{"hour": 8, "minute": 9}
